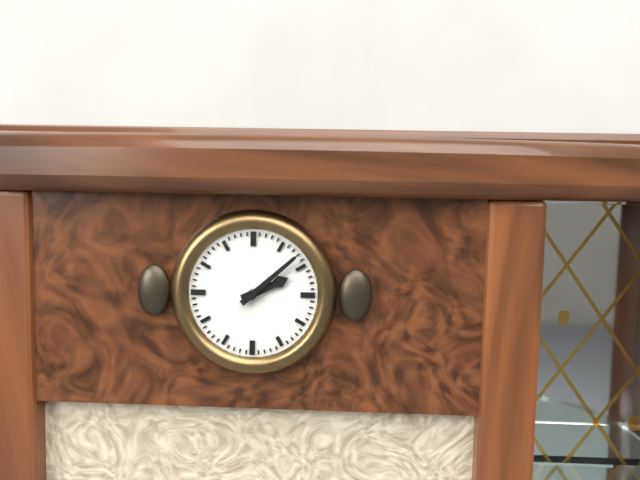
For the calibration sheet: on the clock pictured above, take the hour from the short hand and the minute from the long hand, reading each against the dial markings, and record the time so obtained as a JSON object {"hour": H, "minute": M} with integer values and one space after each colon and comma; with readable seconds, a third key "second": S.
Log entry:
{"hour": 2, "minute": 8}
